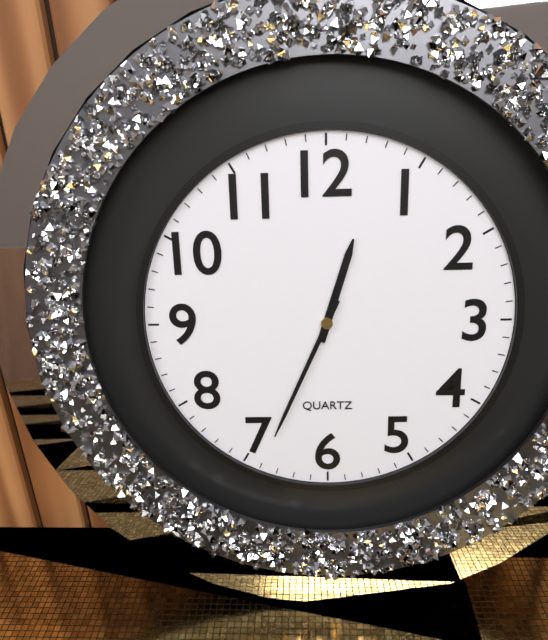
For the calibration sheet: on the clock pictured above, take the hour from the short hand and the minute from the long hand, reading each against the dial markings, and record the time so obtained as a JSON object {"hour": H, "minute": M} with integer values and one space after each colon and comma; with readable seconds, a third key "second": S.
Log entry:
{"hour": 12, "minute": 34}
